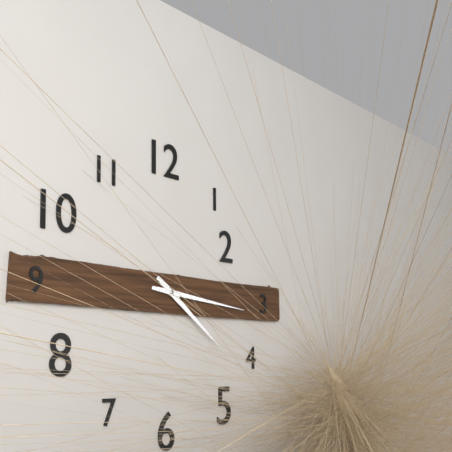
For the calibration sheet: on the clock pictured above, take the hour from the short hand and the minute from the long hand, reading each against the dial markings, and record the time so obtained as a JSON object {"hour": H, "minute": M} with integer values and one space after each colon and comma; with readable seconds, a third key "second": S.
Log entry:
{"hour": 4, "minute": 16}
